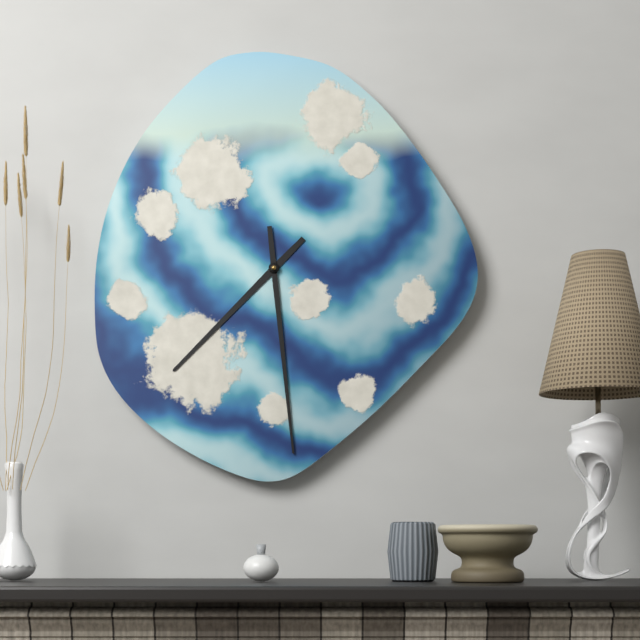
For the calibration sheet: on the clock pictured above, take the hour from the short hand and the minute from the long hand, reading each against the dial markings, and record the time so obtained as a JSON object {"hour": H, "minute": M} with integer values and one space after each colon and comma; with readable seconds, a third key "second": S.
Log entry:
{"hour": 7, "minute": 29}
